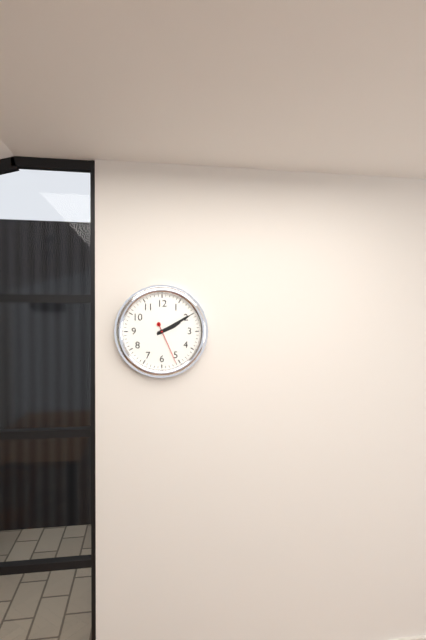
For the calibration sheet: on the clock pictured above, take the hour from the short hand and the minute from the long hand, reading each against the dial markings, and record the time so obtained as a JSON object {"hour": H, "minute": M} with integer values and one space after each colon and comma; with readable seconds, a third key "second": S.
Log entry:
{"hour": 2, "minute": 10}
